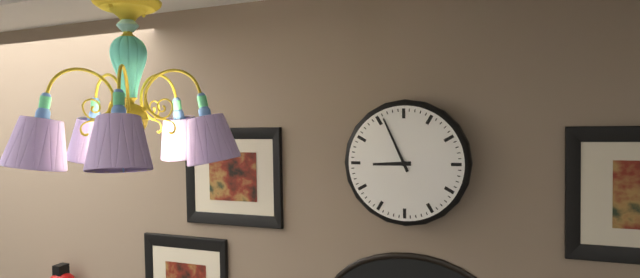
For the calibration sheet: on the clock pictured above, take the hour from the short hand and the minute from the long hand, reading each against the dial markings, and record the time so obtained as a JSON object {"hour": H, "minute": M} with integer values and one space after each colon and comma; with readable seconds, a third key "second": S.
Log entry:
{"hour": 8, "minute": 56}
